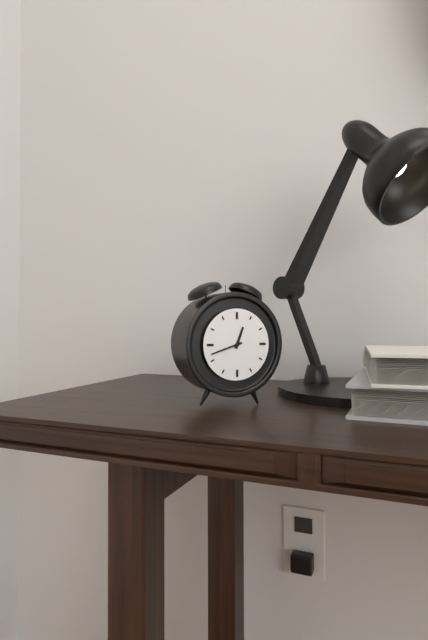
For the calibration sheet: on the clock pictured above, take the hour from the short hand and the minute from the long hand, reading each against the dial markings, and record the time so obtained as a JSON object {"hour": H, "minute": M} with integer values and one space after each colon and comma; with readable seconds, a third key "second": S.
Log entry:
{"hour": 12, "minute": 42}
